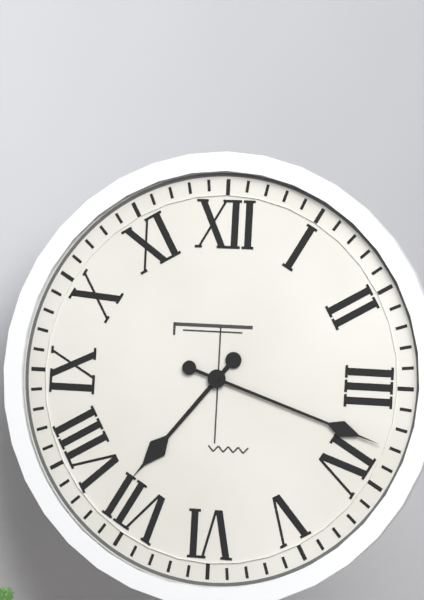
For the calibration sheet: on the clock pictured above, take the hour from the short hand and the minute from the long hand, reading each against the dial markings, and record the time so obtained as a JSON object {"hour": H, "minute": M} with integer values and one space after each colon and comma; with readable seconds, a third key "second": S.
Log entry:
{"hour": 7, "minute": 18}
